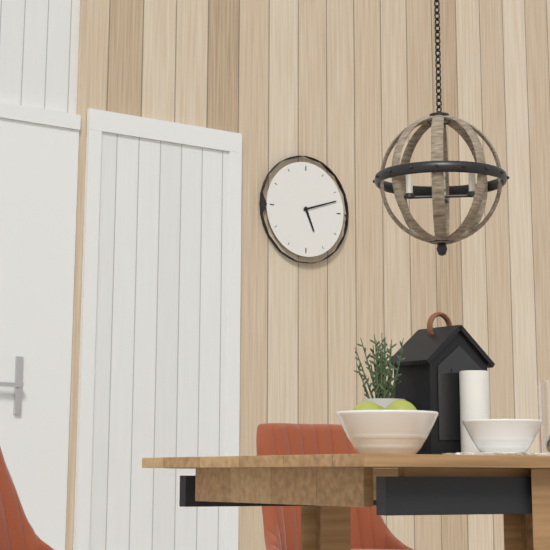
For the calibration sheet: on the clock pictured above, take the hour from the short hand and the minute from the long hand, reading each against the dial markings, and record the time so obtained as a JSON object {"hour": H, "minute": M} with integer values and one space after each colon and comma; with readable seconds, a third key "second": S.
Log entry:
{"hour": 5, "minute": 12}
